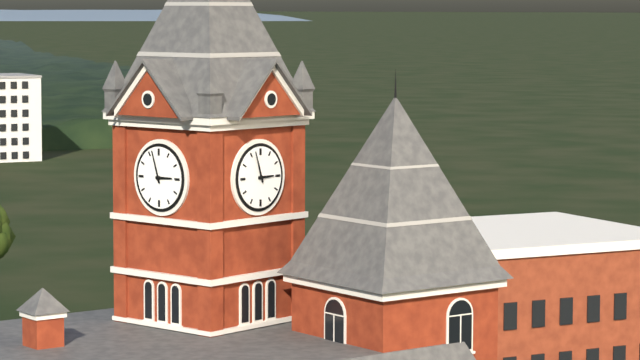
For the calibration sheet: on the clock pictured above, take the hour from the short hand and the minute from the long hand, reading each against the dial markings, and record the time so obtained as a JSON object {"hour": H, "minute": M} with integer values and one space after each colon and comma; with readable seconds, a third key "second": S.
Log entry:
{"hour": 2, "minute": 57}
